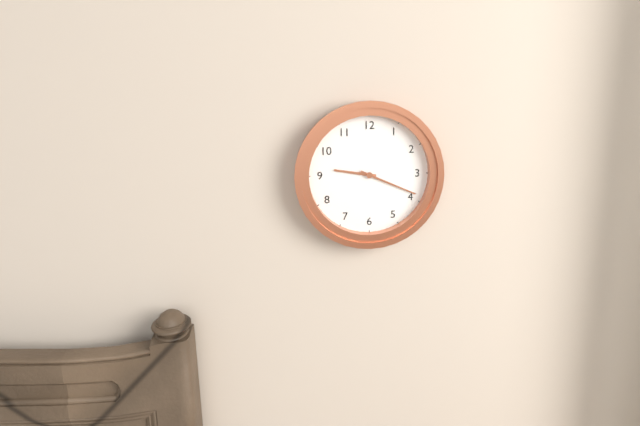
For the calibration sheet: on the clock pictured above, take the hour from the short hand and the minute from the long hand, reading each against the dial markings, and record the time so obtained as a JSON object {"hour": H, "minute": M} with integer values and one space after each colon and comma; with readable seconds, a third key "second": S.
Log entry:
{"hour": 9, "minute": 19}
